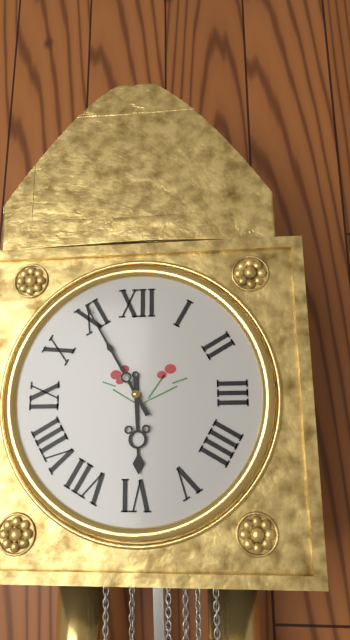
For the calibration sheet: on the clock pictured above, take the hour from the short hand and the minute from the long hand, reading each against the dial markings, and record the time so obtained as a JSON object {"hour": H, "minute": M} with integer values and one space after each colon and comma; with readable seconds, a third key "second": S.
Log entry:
{"hour": 5, "minute": 55}
